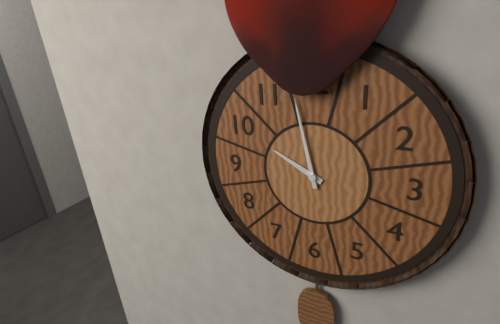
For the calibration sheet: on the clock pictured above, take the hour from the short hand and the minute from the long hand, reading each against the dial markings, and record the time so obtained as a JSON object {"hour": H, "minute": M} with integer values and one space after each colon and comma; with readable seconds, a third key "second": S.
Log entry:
{"hour": 9, "minute": 58}
